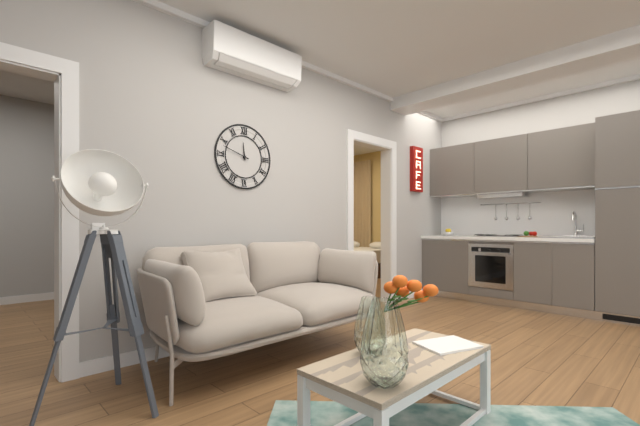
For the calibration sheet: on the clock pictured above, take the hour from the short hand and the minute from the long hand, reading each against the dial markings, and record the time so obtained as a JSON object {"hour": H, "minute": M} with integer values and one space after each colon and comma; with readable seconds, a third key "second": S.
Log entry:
{"hour": 11, "minute": 48}
